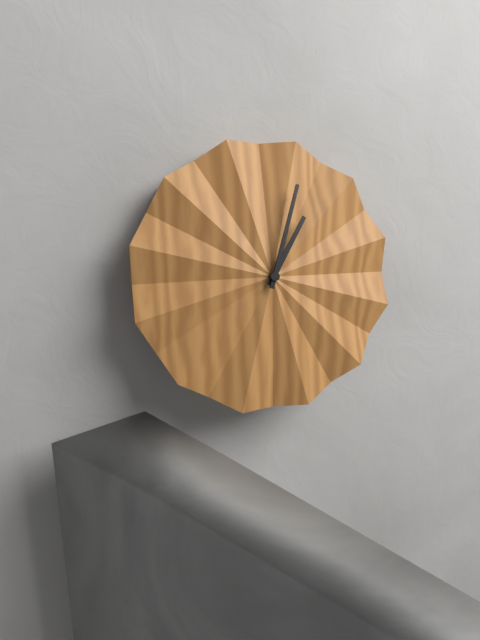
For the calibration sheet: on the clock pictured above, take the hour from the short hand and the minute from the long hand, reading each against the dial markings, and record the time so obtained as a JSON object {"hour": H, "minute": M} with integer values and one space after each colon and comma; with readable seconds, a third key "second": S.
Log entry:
{"hour": 1, "minute": 3}
